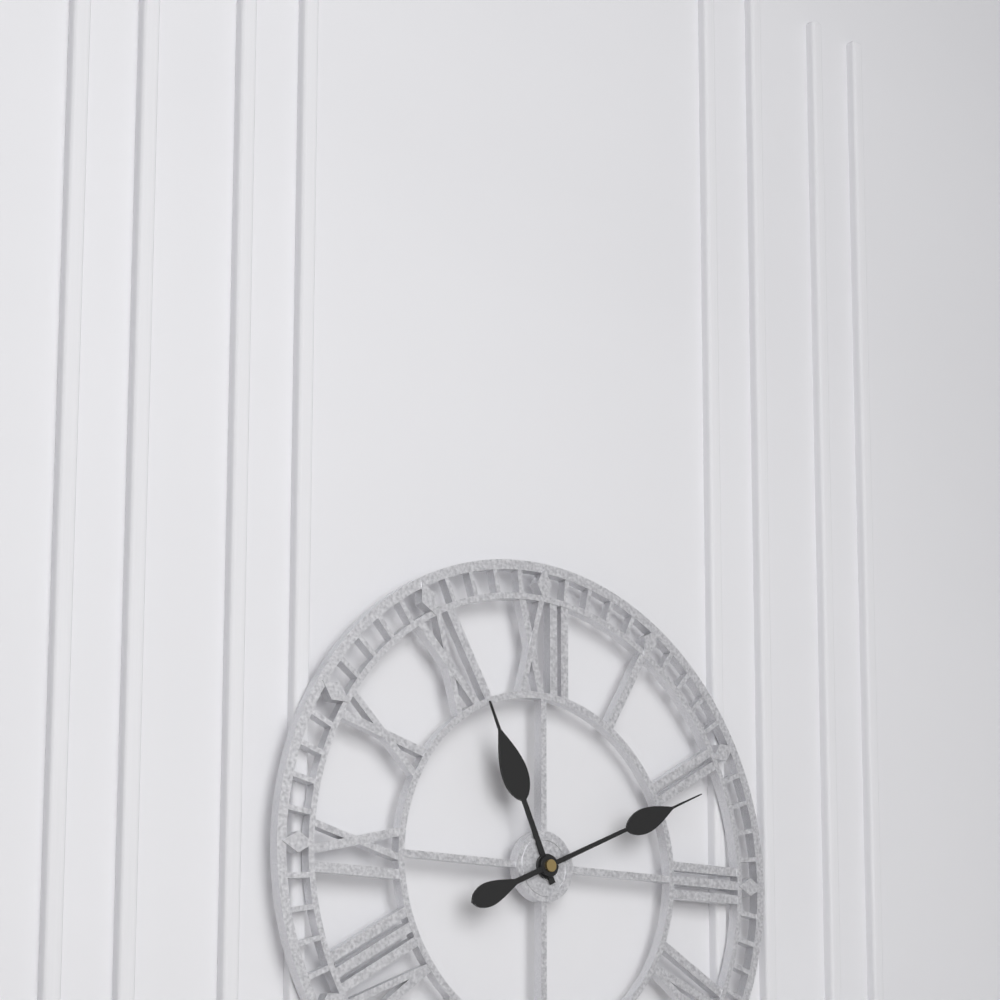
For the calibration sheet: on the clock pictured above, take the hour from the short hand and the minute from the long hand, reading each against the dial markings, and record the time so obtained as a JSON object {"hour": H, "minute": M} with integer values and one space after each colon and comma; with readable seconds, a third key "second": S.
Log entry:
{"hour": 11, "minute": 11}
